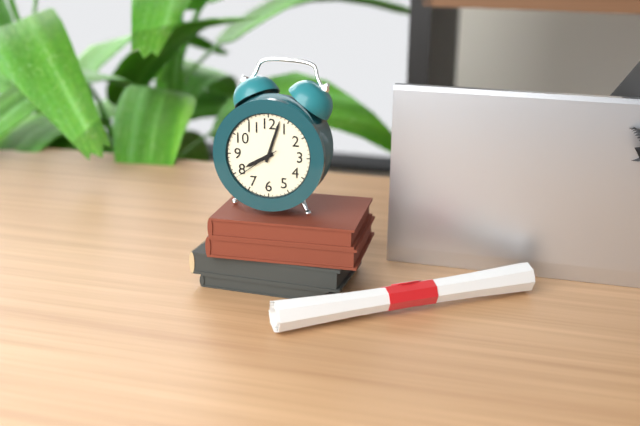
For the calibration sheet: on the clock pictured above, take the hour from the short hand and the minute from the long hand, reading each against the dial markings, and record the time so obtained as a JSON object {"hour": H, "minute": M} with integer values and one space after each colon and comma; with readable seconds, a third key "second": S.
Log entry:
{"hour": 8, "minute": 3}
